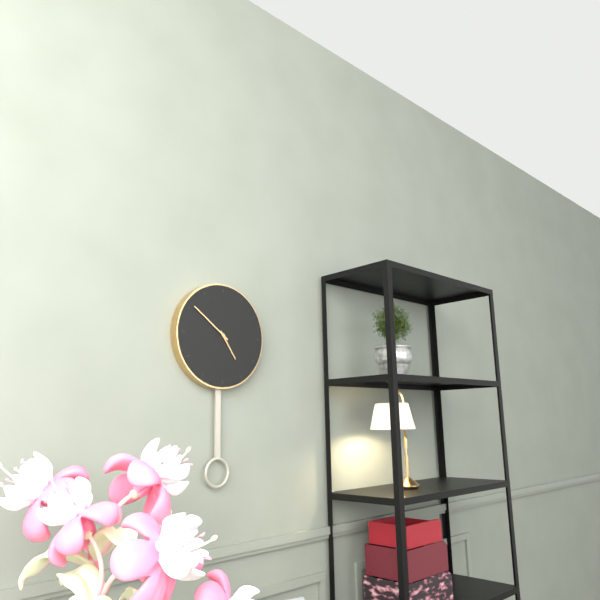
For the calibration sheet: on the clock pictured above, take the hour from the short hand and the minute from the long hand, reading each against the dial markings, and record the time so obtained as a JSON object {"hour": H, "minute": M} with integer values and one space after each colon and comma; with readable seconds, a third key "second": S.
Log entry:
{"hour": 4, "minute": 51}
